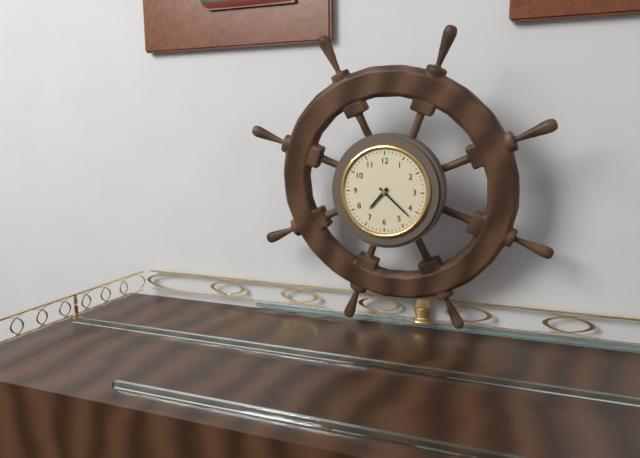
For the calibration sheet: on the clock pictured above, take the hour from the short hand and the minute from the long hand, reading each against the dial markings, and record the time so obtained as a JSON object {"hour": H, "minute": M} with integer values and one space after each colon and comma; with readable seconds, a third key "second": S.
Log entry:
{"hour": 7, "minute": 22}
